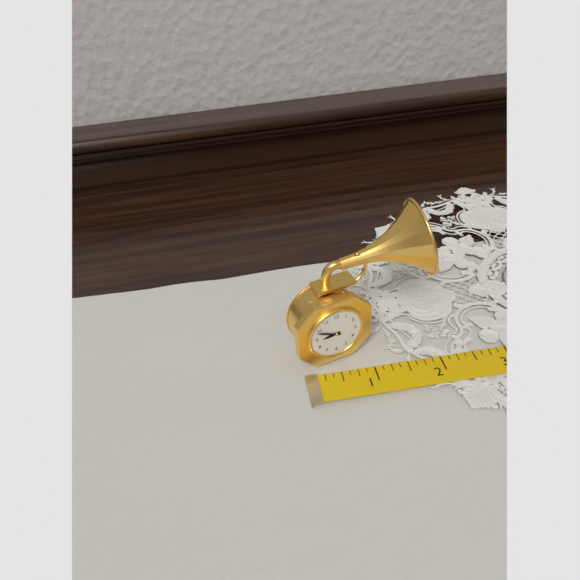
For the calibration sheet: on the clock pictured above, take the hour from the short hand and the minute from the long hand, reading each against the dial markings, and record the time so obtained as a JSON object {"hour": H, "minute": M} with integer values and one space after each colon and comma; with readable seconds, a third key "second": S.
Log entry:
{"hour": 8, "minute": 49}
